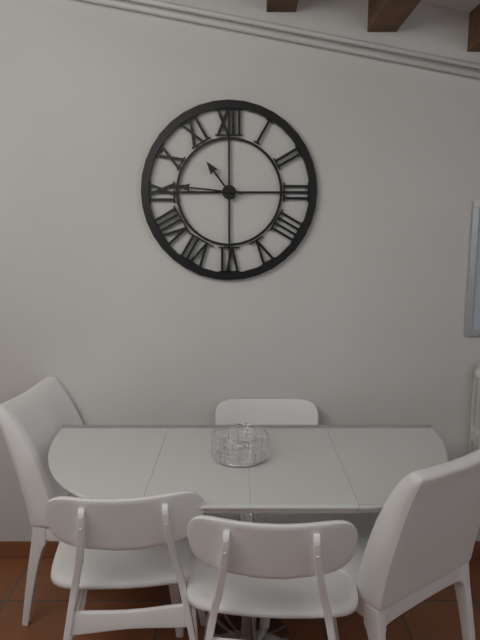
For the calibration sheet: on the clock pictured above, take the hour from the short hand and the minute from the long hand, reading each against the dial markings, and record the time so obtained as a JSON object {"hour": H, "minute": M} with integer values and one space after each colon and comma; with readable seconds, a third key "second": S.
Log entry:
{"hour": 10, "minute": 46}
